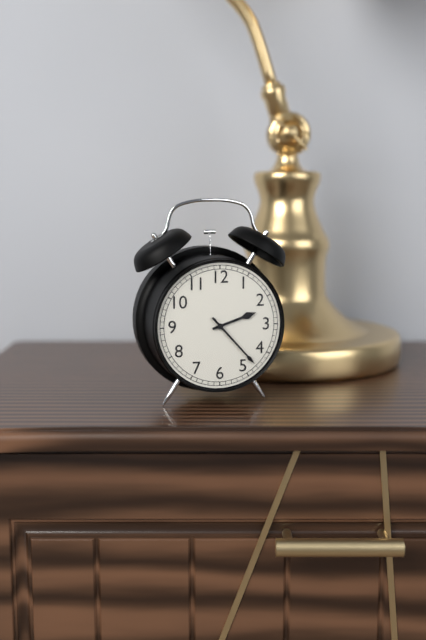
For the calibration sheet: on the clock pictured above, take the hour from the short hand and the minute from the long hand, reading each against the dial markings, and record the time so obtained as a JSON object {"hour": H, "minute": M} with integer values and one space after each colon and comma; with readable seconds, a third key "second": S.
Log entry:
{"hour": 2, "minute": 23}
